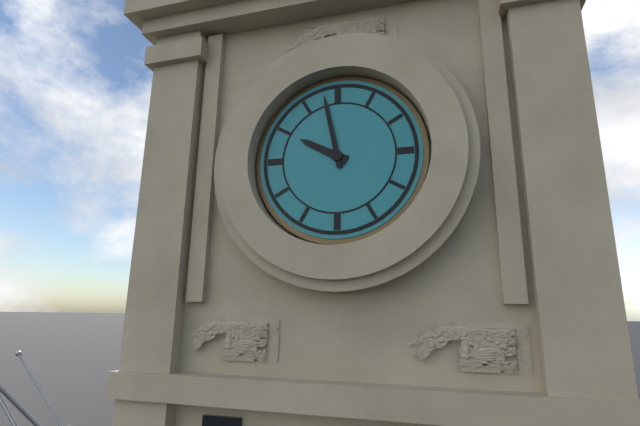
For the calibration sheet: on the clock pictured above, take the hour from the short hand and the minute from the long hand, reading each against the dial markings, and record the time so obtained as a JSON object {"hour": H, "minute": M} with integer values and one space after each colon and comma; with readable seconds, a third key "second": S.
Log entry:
{"hour": 9, "minute": 58}
